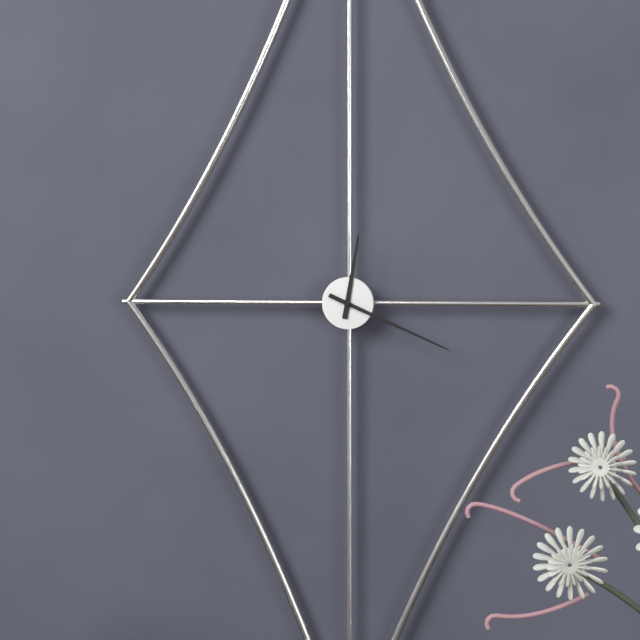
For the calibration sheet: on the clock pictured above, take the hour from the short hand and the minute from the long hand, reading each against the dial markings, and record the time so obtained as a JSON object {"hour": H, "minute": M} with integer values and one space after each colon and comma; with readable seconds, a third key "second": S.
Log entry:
{"hour": 12, "minute": 19}
